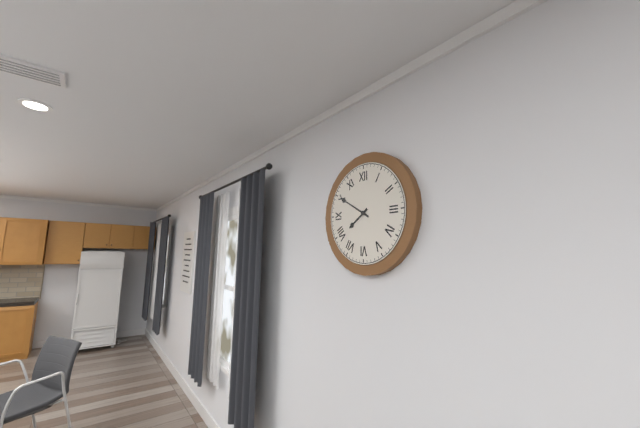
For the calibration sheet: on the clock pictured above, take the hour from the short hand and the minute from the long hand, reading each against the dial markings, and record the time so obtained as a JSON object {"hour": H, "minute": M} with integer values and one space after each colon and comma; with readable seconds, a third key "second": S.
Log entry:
{"hour": 7, "minute": 50}
